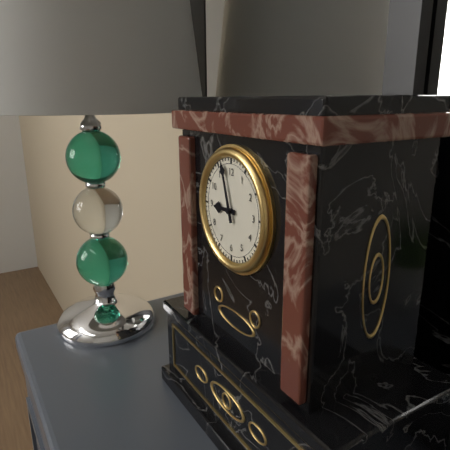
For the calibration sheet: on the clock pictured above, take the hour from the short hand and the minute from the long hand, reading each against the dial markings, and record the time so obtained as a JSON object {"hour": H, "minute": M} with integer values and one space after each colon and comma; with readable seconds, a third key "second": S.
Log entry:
{"hour": 8, "minute": 57}
